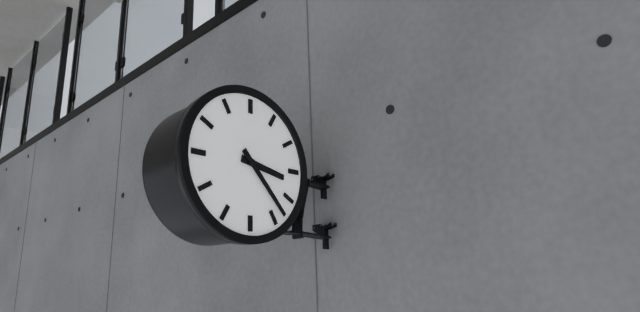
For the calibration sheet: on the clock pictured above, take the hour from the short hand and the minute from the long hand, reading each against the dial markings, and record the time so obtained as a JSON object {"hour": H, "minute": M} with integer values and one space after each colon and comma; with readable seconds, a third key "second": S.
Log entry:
{"hour": 3, "minute": 23}
